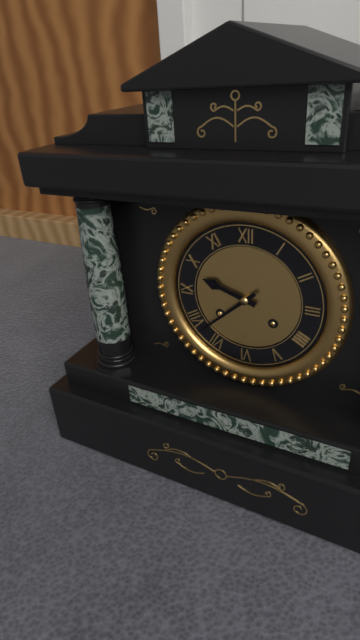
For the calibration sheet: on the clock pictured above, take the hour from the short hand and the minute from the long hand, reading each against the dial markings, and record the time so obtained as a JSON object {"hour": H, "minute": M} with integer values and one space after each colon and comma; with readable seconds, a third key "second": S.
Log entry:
{"hour": 9, "minute": 38}
